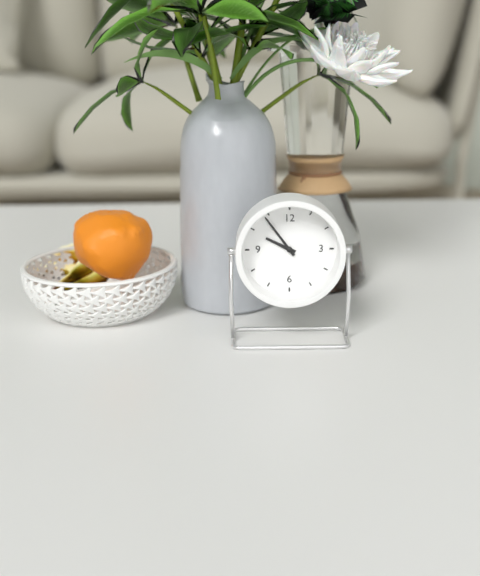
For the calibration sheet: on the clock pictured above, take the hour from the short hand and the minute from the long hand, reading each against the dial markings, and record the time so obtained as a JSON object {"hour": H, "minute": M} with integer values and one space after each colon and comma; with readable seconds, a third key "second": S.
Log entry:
{"hour": 9, "minute": 54}
